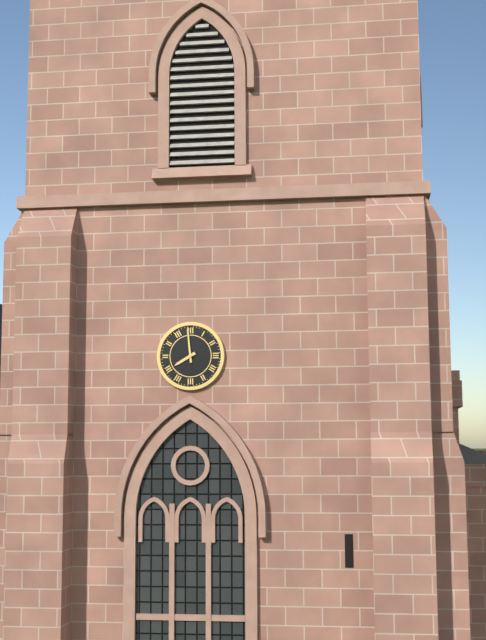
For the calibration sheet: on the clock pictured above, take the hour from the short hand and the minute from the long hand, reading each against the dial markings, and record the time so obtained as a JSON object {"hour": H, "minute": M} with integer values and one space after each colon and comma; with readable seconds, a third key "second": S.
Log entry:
{"hour": 7, "minute": 59}
